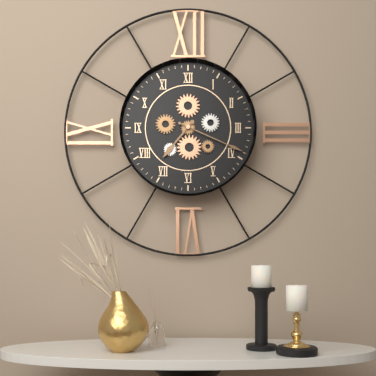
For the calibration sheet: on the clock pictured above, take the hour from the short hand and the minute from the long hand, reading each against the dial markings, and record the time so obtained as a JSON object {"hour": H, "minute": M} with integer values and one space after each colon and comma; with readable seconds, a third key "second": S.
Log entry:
{"hour": 7, "minute": 19}
